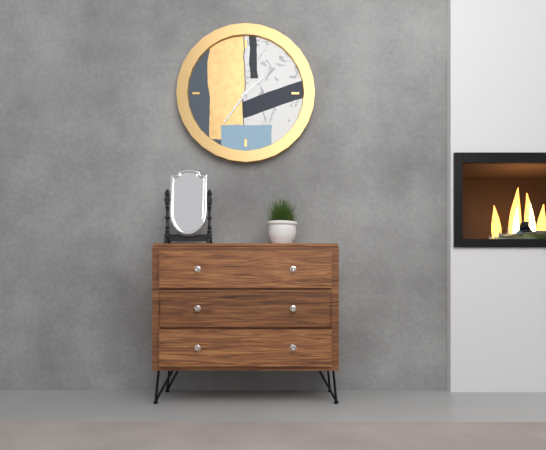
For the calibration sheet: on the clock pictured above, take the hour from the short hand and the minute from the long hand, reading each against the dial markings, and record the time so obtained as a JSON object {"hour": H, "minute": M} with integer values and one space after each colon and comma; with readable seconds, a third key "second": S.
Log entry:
{"hour": 1, "minute": 36}
